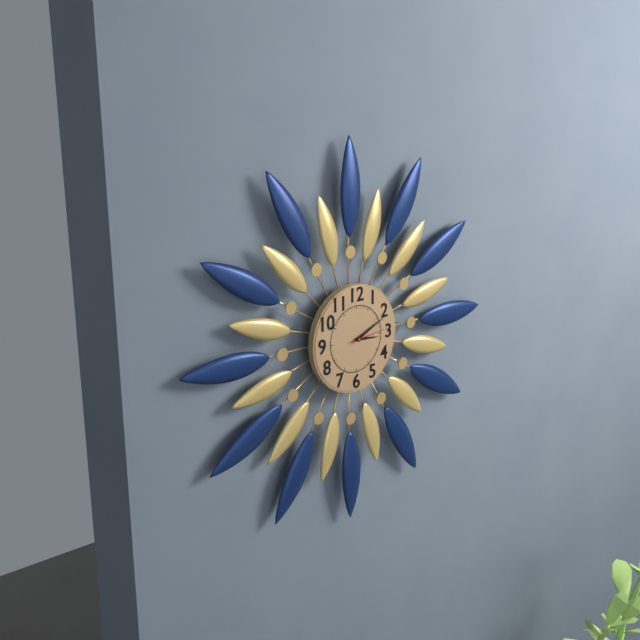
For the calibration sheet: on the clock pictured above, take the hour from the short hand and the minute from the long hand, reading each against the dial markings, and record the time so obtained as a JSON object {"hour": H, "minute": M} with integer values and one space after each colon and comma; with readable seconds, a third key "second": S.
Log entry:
{"hour": 3, "minute": 11}
